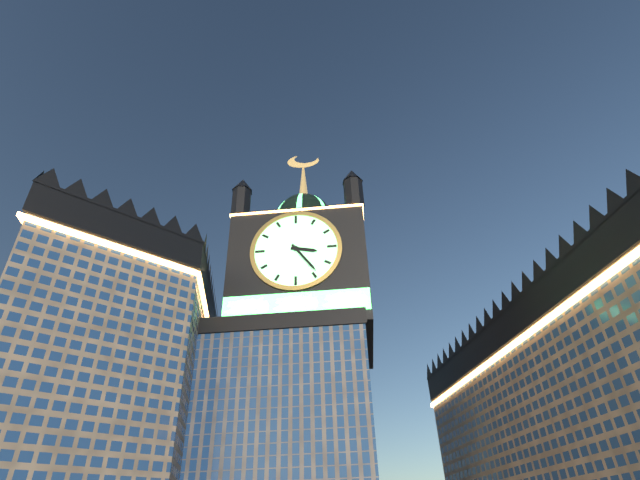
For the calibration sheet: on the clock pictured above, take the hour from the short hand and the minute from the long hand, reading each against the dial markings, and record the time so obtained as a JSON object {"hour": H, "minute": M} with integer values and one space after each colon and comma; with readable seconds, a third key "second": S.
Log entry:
{"hour": 3, "minute": 24}
